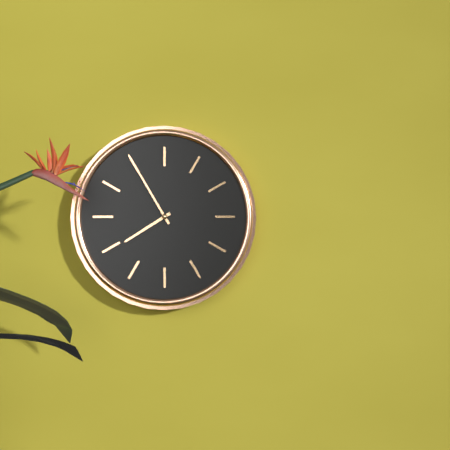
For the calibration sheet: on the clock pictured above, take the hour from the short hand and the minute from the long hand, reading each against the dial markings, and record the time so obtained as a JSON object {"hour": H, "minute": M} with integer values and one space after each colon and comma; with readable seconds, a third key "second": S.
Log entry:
{"hour": 7, "minute": 55}
